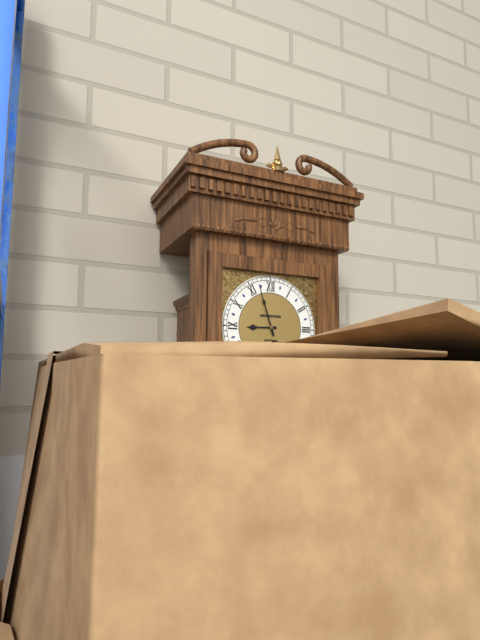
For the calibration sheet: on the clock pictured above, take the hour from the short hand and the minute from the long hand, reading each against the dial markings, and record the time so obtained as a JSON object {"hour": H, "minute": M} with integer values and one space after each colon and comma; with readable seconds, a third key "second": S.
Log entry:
{"hour": 8, "minute": 57}
